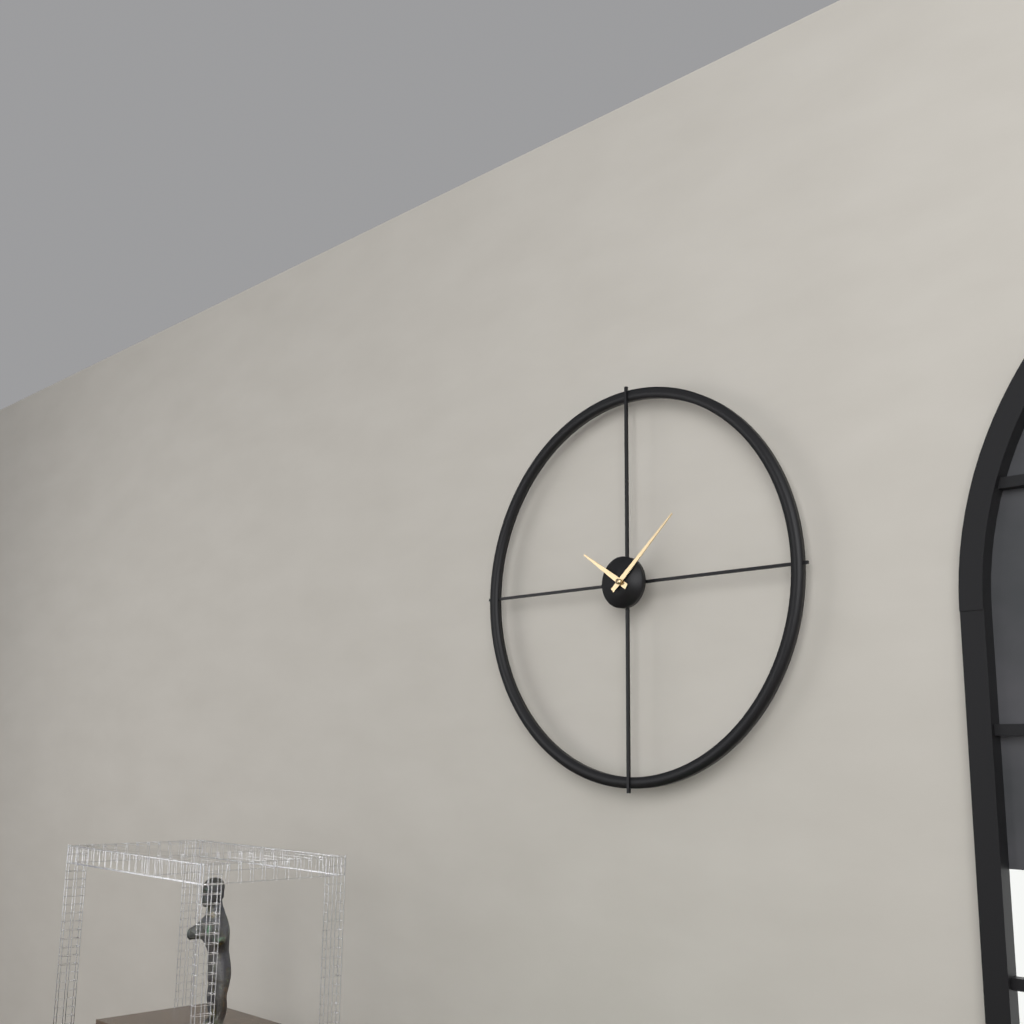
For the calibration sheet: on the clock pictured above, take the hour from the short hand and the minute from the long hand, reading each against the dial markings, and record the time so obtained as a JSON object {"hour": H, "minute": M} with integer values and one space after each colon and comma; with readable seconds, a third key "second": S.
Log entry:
{"hour": 10, "minute": 8}
